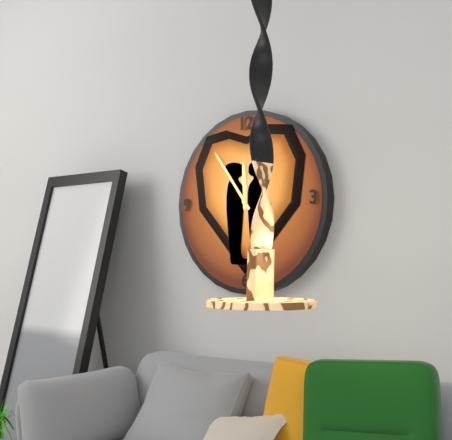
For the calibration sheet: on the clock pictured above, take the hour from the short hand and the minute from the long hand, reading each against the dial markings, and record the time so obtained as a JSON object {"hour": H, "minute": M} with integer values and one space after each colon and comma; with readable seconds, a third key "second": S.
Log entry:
{"hour": 11, "minute": 54}
